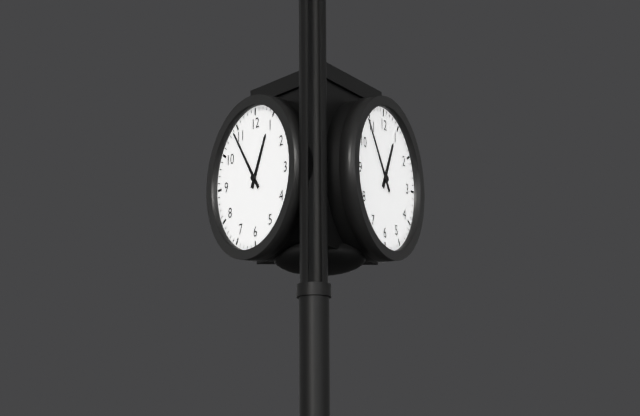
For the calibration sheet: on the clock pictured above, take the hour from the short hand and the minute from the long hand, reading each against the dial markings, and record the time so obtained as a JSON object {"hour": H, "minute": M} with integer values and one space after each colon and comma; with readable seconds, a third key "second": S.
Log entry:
{"hour": 12, "minute": 54}
